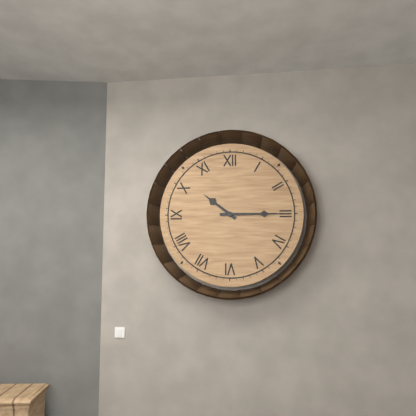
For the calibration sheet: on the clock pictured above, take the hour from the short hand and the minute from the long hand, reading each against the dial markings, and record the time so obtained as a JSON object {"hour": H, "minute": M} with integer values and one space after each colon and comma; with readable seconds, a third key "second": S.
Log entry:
{"hour": 10, "minute": 15}
